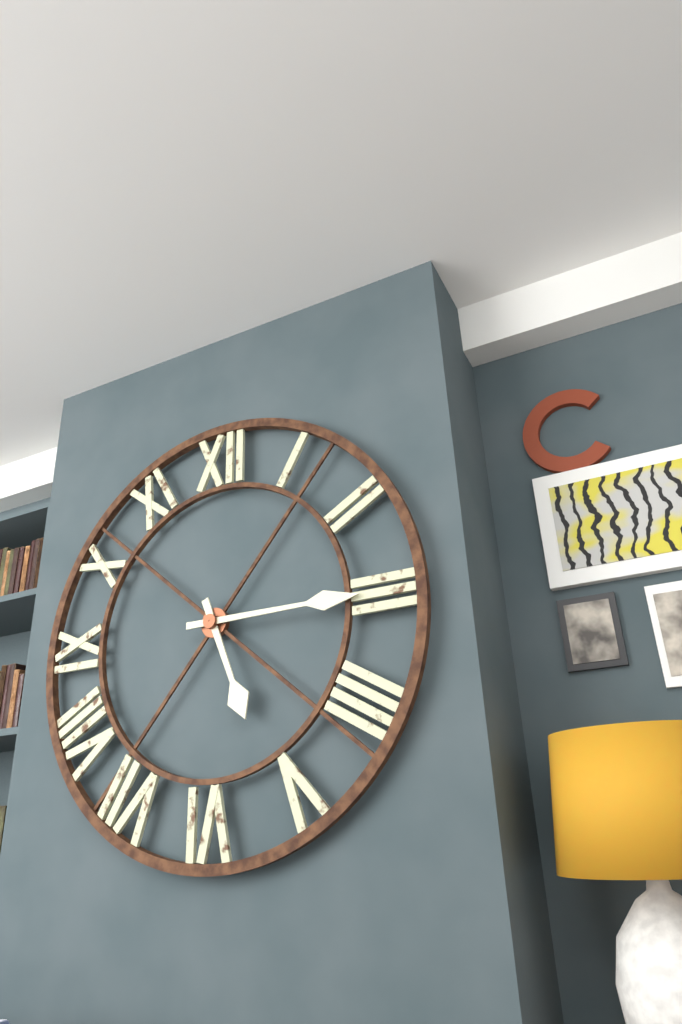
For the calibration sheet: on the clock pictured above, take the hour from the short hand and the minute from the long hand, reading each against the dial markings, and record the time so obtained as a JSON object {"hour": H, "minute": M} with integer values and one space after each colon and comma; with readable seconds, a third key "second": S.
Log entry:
{"hour": 5, "minute": 15}
